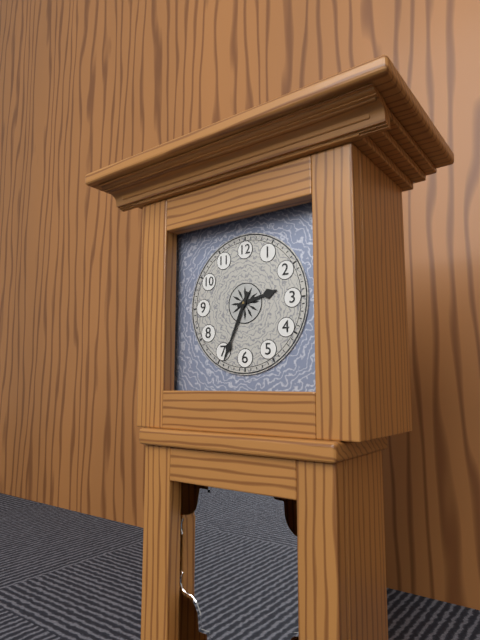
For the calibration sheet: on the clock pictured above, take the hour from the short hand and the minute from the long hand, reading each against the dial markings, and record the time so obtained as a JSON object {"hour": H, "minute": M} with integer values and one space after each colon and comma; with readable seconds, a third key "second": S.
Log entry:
{"hour": 2, "minute": 34}
